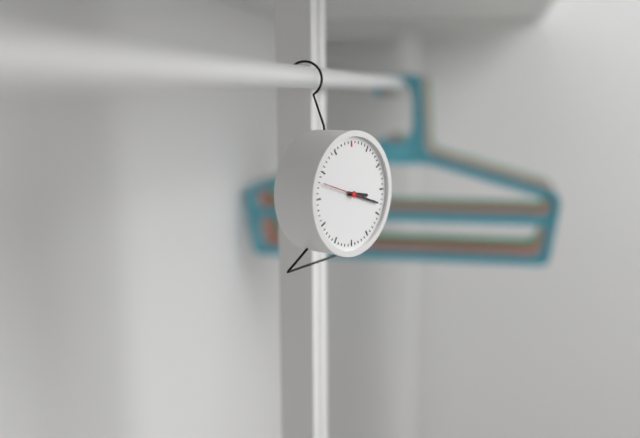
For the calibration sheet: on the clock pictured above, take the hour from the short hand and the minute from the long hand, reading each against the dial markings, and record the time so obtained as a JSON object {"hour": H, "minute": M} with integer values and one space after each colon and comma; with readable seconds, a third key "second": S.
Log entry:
{"hour": 3, "minute": 18}
